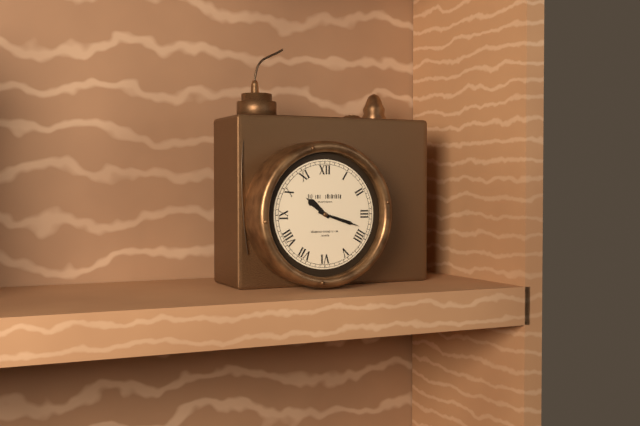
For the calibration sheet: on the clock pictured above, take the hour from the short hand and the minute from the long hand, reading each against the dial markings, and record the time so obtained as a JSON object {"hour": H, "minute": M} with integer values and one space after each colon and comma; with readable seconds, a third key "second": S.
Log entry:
{"hour": 10, "minute": 18}
